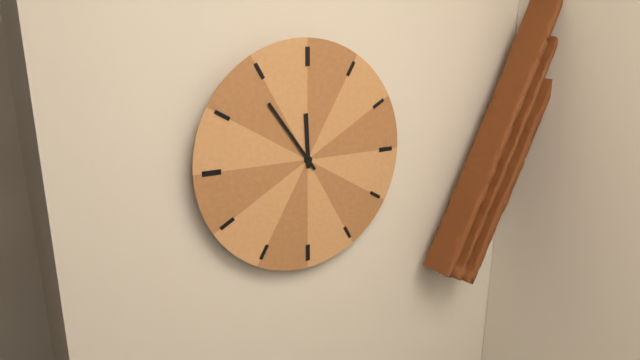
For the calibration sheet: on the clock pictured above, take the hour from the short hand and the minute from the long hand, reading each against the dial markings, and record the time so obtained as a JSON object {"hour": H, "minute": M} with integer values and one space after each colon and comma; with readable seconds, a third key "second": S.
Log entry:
{"hour": 11, "minute": 54}
